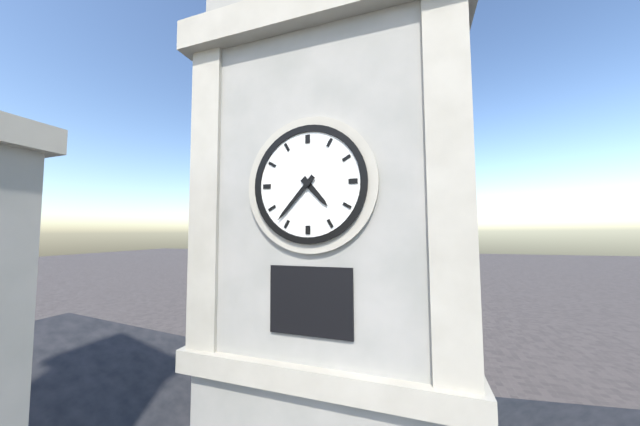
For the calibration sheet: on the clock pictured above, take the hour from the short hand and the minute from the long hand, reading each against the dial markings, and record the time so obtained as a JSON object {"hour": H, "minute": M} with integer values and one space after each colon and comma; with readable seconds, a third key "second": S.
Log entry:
{"hour": 4, "minute": 37}
